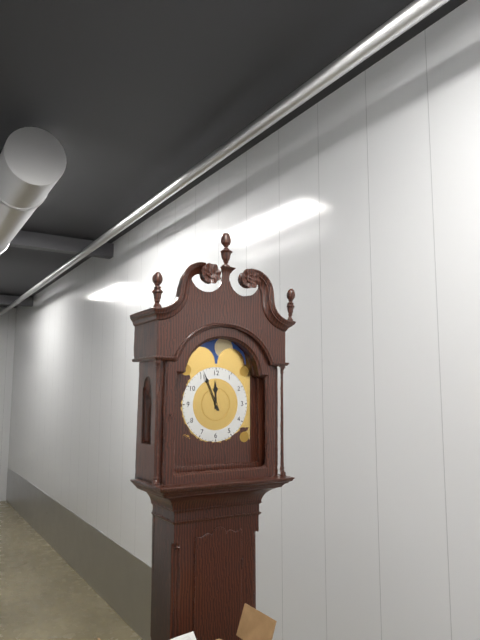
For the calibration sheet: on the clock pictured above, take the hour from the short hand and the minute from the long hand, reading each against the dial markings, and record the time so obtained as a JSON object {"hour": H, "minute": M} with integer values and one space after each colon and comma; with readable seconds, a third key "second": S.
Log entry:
{"hour": 11, "minute": 56}
